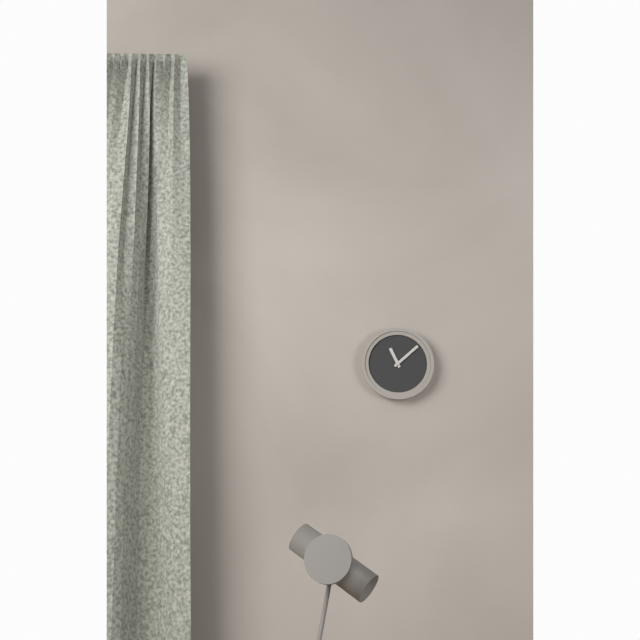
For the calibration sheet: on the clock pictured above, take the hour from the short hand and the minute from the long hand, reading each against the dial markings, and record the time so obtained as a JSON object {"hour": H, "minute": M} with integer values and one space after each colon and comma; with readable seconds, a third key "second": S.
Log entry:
{"hour": 11, "minute": 8}
